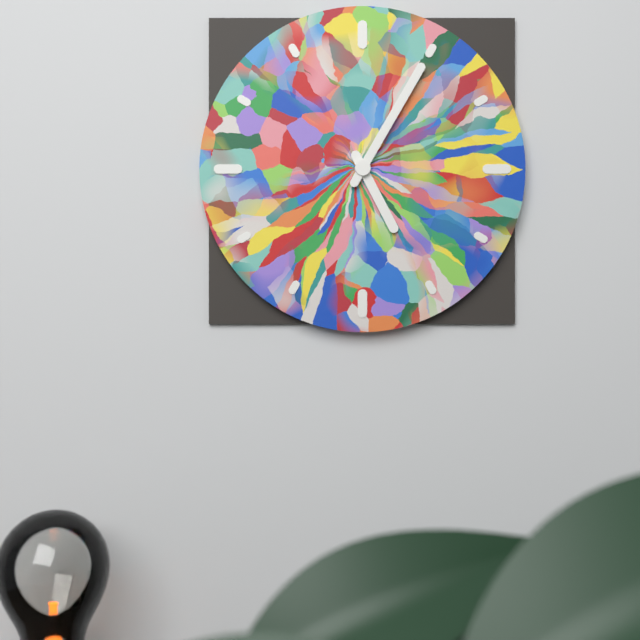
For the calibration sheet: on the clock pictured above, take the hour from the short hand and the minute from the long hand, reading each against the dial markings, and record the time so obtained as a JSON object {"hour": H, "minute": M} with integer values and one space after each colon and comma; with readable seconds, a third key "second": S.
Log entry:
{"hour": 5, "minute": 5}
